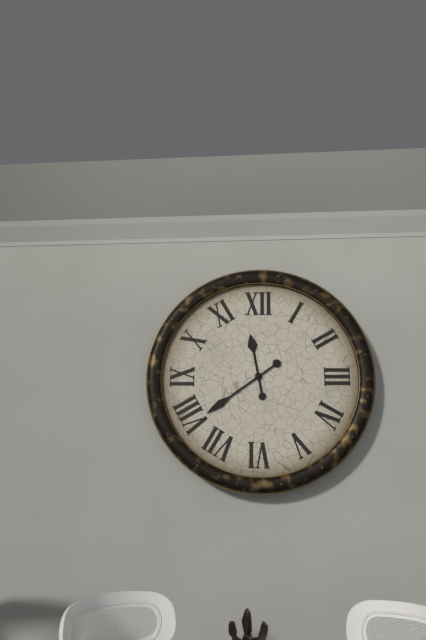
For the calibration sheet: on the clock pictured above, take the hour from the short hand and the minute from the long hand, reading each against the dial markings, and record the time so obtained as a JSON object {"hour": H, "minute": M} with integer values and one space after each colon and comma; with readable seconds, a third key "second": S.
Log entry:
{"hour": 11, "minute": 39}
